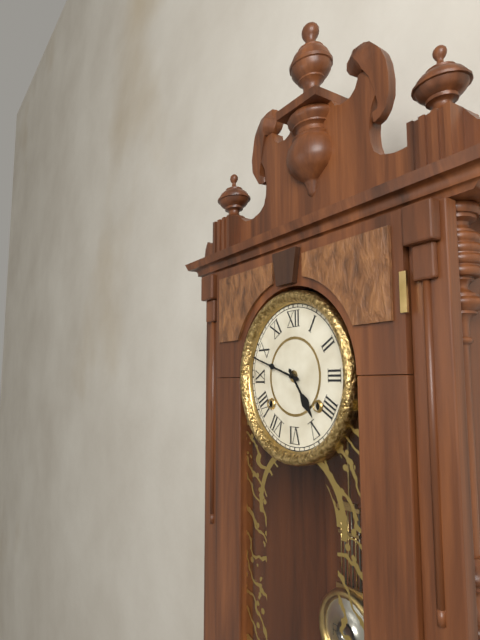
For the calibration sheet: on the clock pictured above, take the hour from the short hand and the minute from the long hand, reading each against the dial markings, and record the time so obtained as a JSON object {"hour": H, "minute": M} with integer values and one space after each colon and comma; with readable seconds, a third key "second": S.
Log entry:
{"hour": 4, "minute": 48}
